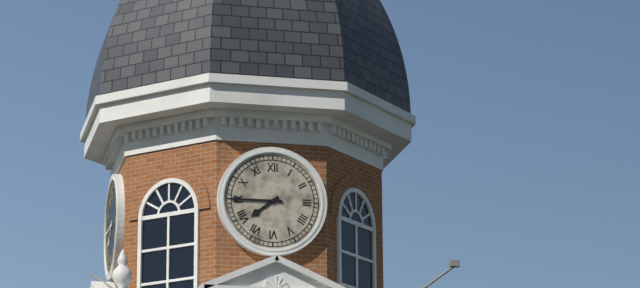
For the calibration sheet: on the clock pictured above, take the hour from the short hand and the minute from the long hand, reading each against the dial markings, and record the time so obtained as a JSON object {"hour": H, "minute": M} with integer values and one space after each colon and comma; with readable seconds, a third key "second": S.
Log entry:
{"hour": 7, "minute": 45}
